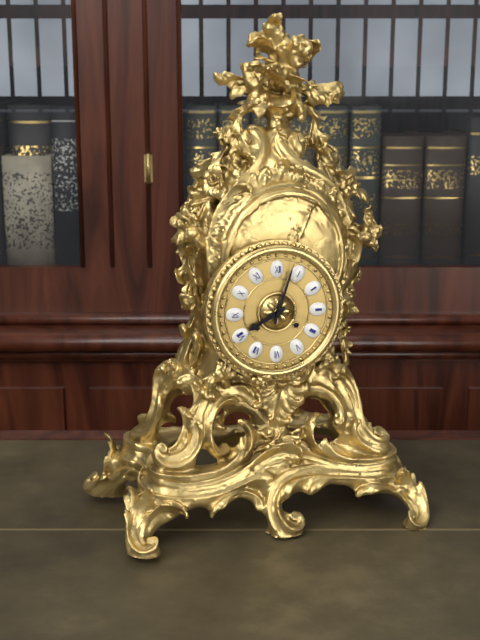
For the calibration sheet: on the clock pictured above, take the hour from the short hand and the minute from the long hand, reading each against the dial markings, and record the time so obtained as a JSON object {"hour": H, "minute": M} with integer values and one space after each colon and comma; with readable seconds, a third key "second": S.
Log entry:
{"hour": 8, "minute": 3}
